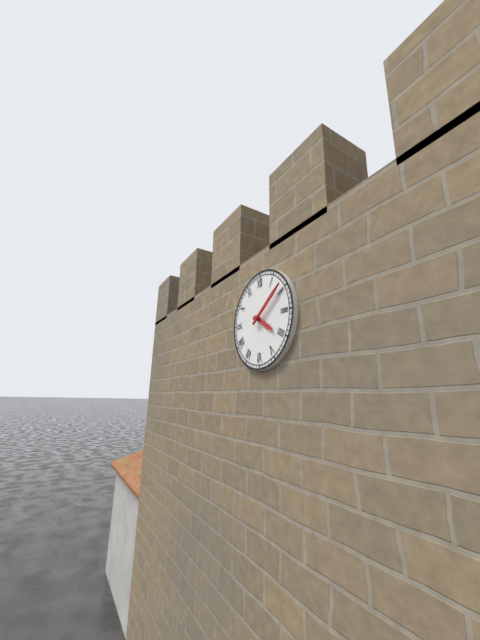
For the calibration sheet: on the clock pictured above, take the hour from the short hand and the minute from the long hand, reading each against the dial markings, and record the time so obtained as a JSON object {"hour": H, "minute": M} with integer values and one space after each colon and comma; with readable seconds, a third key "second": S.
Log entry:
{"hour": 4, "minute": 9}
